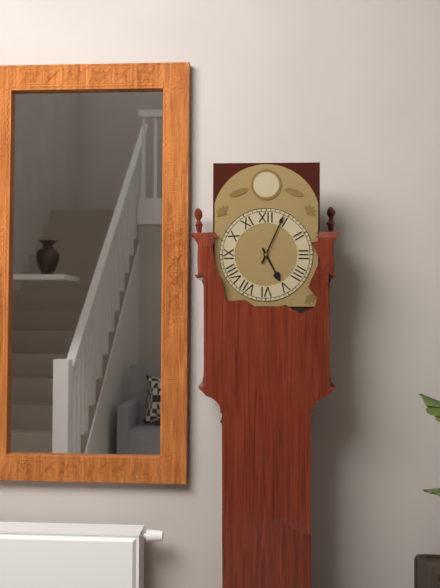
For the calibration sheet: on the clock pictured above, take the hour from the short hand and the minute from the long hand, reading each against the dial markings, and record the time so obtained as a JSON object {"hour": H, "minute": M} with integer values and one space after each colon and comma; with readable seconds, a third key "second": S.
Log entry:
{"hour": 5, "minute": 4}
